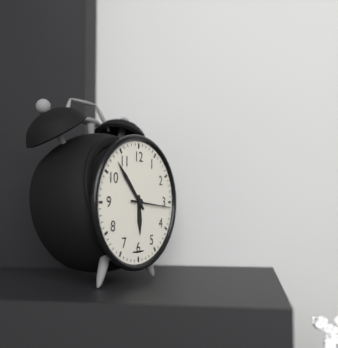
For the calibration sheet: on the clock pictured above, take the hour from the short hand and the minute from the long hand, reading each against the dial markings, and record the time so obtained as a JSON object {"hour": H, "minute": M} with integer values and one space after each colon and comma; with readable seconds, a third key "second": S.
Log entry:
{"hour": 5, "minute": 53}
